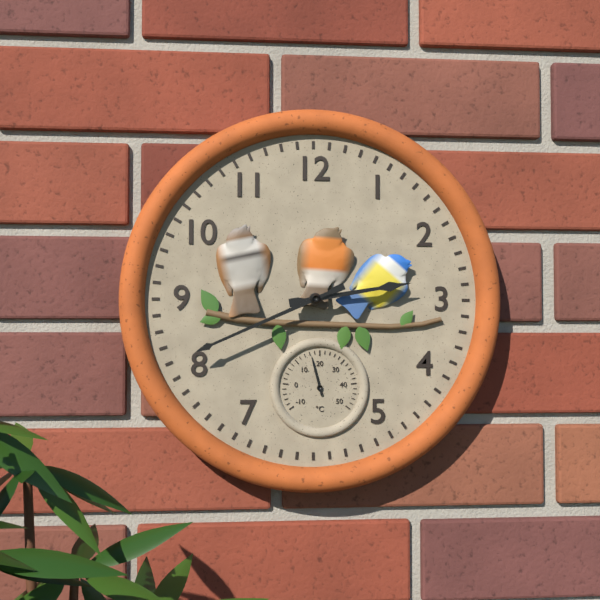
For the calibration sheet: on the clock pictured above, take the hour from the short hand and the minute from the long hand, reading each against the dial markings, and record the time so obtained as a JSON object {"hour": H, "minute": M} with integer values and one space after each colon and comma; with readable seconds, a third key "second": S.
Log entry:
{"hour": 2, "minute": 41}
